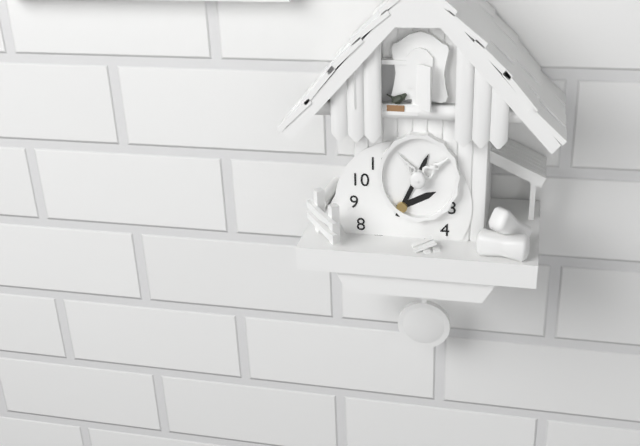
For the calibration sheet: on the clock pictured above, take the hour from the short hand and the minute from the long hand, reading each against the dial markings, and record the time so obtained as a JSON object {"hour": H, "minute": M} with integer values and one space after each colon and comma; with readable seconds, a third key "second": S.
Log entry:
{"hour": 2, "minute": 4}
